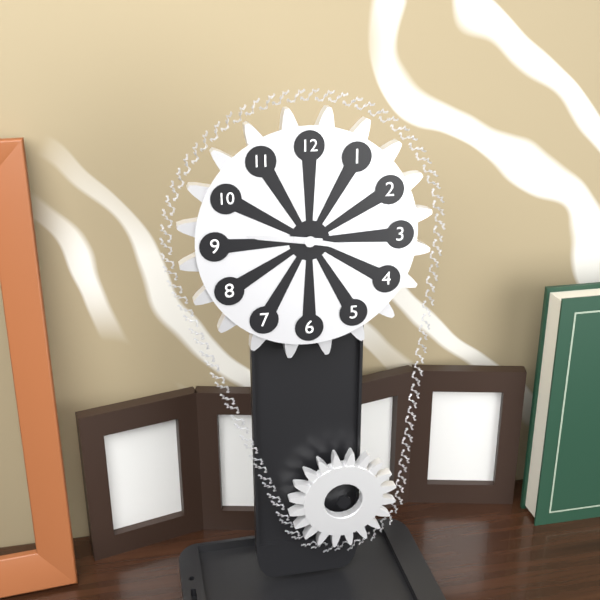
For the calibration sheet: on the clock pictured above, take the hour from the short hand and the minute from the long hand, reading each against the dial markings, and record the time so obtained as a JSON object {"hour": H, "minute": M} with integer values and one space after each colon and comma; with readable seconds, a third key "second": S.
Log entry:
{"hour": 9, "minute": 17}
